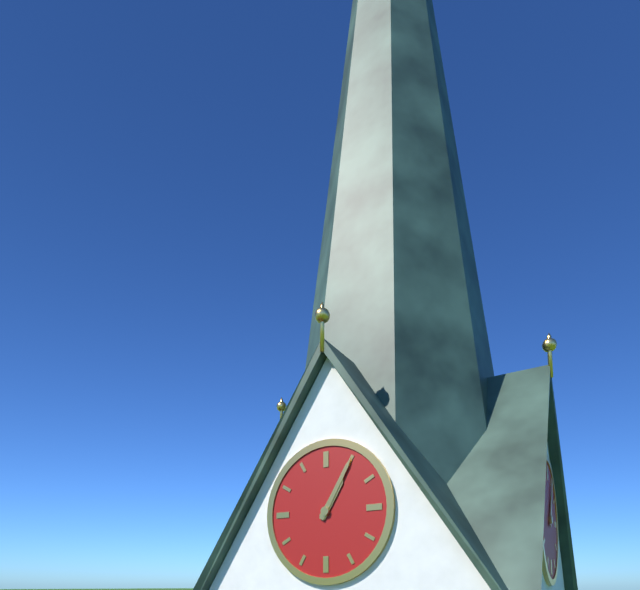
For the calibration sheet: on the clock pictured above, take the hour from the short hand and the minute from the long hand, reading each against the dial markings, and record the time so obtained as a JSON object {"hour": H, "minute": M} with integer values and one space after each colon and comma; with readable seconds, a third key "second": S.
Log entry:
{"hour": 1, "minute": 5}
